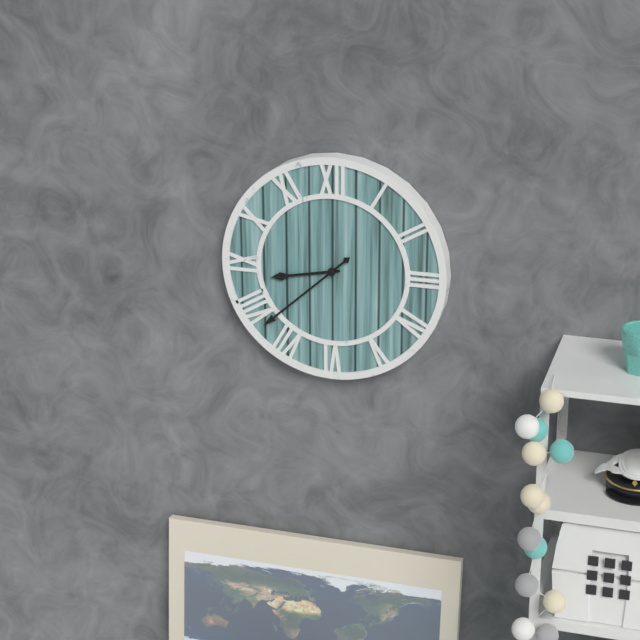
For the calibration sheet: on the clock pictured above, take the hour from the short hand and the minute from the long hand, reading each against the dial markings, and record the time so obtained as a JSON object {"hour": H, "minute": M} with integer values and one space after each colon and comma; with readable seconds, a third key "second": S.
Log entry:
{"hour": 8, "minute": 38}
